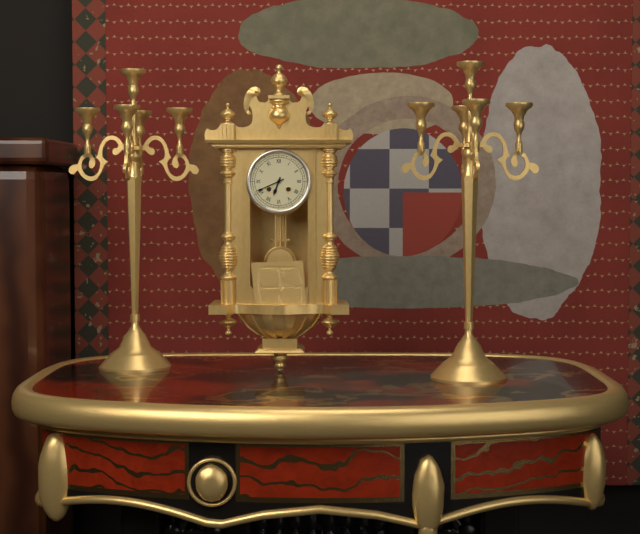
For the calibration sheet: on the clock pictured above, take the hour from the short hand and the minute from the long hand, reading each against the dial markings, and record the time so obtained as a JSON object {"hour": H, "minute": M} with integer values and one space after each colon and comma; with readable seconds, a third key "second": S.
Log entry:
{"hour": 6, "minute": 41}
